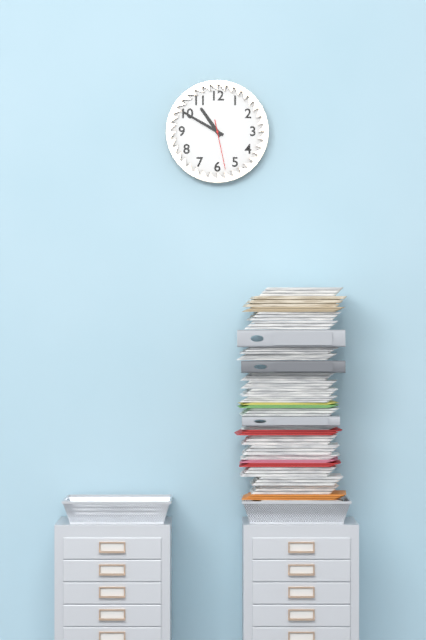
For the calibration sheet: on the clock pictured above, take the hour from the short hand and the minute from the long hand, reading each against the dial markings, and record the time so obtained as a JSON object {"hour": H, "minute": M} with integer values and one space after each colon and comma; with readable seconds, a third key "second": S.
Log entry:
{"hour": 10, "minute": 50}
